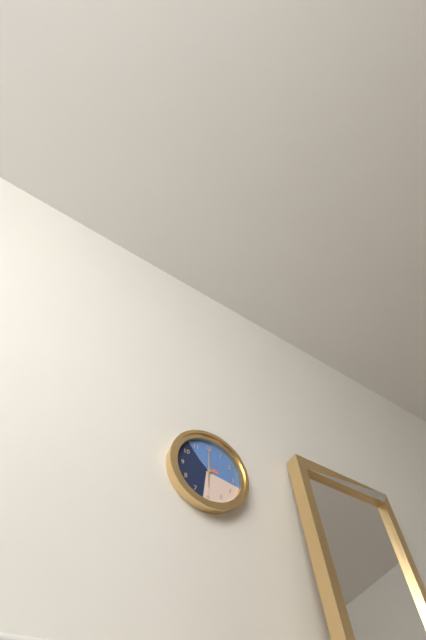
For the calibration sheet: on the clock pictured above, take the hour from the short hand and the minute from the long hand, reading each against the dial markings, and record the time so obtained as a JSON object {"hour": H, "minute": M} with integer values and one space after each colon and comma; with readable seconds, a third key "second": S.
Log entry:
{"hour": 6, "minute": 0}
